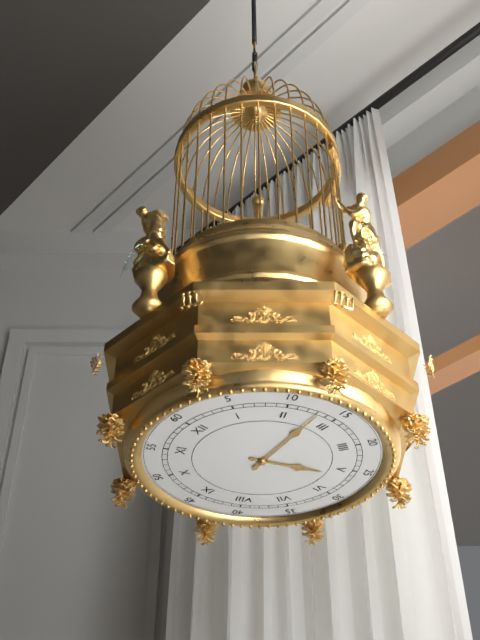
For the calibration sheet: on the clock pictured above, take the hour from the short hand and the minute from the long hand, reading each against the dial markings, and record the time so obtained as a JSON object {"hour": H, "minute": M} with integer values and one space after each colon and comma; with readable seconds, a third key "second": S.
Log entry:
{"hour": 5, "minute": 13}
